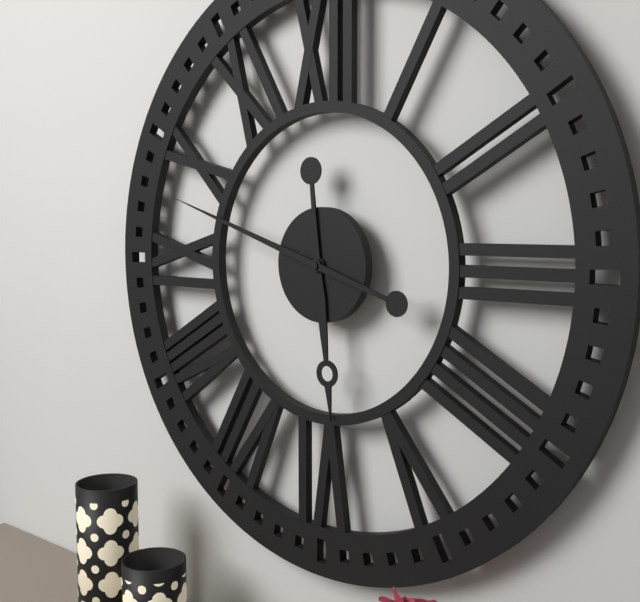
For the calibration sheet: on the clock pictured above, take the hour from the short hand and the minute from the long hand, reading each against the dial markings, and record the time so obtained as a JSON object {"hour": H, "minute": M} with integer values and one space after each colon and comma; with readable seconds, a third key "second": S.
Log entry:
{"hour": 5, "minute": 48}
